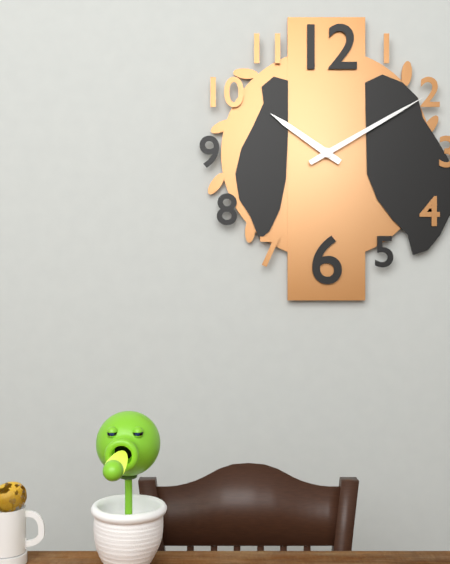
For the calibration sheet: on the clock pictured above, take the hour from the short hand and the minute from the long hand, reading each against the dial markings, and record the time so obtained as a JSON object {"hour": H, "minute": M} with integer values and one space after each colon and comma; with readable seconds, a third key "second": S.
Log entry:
{"hour": 10, "minute": 10}
